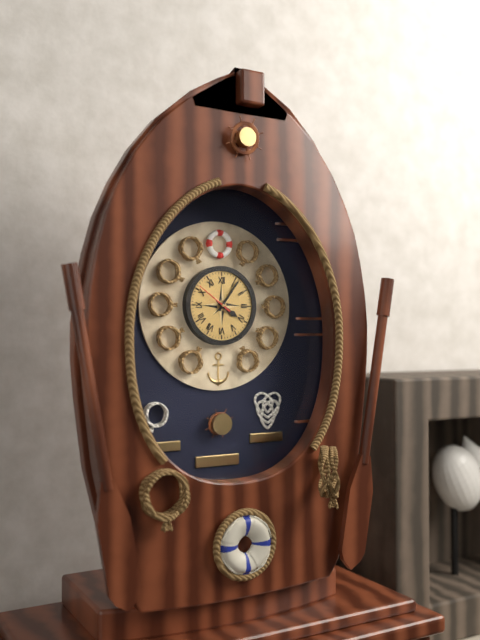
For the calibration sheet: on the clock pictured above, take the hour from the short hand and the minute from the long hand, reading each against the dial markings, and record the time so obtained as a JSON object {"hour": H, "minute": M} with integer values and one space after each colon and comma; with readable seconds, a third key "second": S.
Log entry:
{"hour": 4, "minute": 6}
